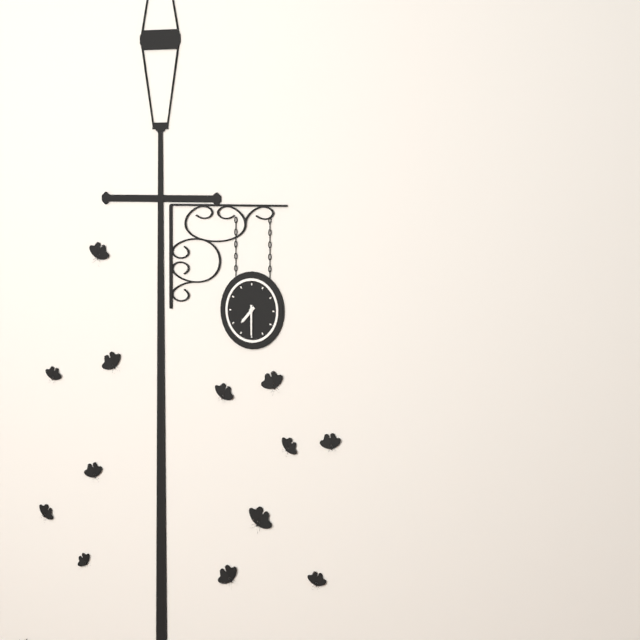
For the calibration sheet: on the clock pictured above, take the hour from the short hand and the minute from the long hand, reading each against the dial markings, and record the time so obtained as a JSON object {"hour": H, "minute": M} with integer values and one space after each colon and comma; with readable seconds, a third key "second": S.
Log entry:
{"hour": 7, "minute": 30}
